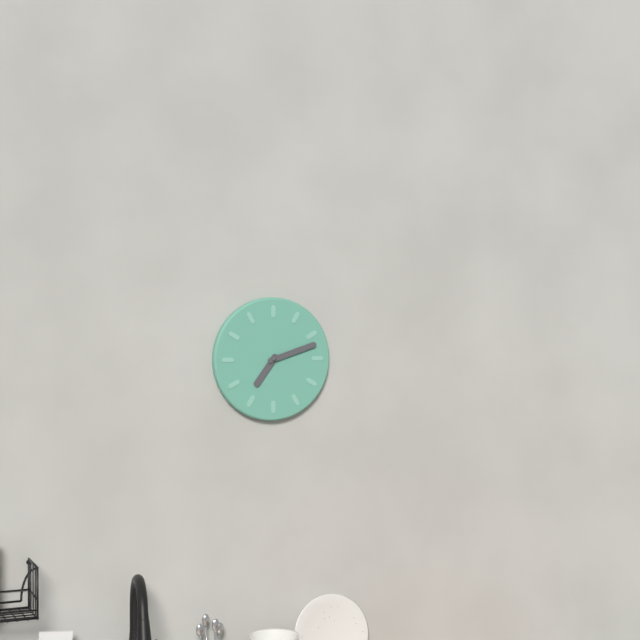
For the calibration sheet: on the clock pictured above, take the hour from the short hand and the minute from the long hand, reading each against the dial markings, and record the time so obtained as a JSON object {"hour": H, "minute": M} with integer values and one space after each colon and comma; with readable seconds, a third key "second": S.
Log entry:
{"hour": 7, "minute": 12}
